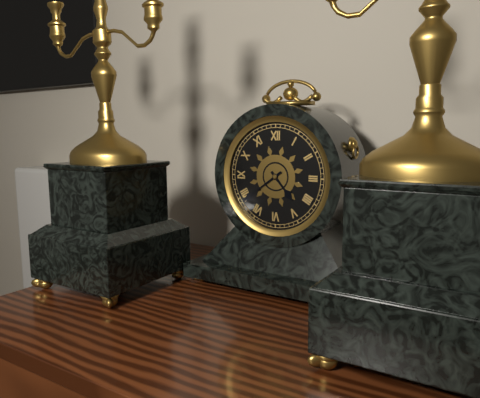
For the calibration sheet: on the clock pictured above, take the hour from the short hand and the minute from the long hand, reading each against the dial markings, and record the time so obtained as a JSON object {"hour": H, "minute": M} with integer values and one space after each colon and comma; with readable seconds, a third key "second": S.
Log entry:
{"hour": 4, "minute": 39}
